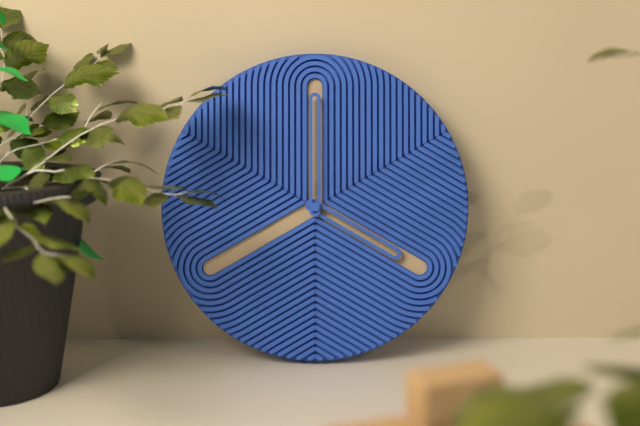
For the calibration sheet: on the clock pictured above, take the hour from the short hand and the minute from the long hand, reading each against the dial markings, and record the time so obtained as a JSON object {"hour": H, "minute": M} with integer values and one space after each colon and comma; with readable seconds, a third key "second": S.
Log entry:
{"hour": 4, "minute": 0}
